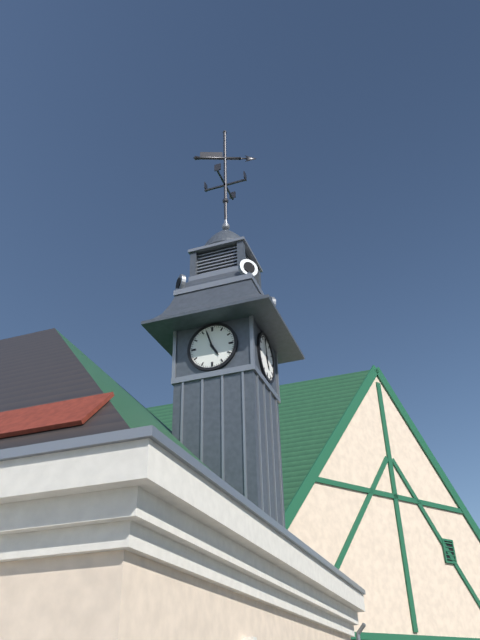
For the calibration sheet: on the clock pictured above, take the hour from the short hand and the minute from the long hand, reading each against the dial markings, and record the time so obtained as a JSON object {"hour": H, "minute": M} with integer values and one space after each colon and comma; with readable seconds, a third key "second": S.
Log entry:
{"hour": 4, "minute": 57}
